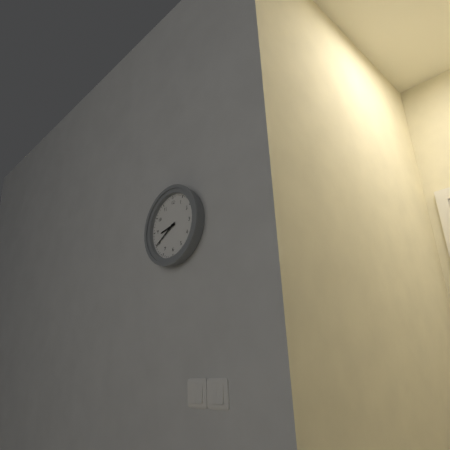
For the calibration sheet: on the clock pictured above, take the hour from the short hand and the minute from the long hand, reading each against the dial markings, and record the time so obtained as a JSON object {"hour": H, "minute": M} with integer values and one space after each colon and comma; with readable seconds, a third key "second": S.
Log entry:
{"hour": 8, "minute": 40}
